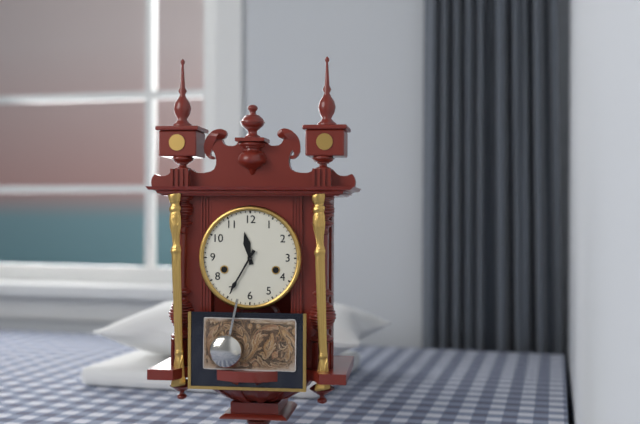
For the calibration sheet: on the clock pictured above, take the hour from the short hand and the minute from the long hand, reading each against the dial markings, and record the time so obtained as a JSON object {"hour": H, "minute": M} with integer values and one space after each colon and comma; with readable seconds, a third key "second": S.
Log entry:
{"hour": 11, "minute": 35}
